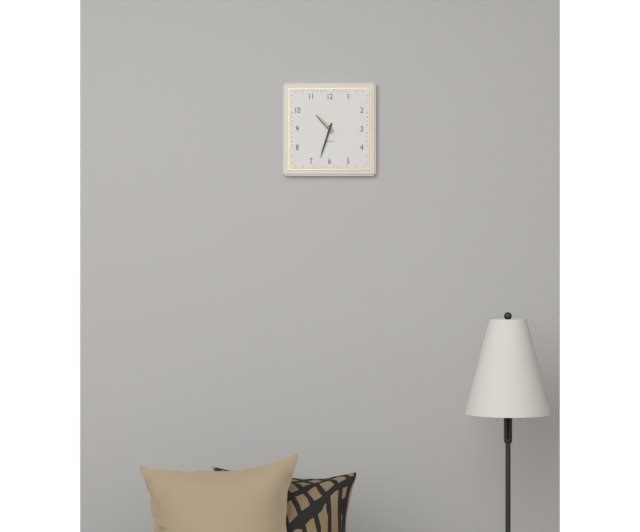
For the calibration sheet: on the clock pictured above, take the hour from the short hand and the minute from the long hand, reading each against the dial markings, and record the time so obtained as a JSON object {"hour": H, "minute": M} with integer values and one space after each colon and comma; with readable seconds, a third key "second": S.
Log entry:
{"hour": 10, "minute": 33}
